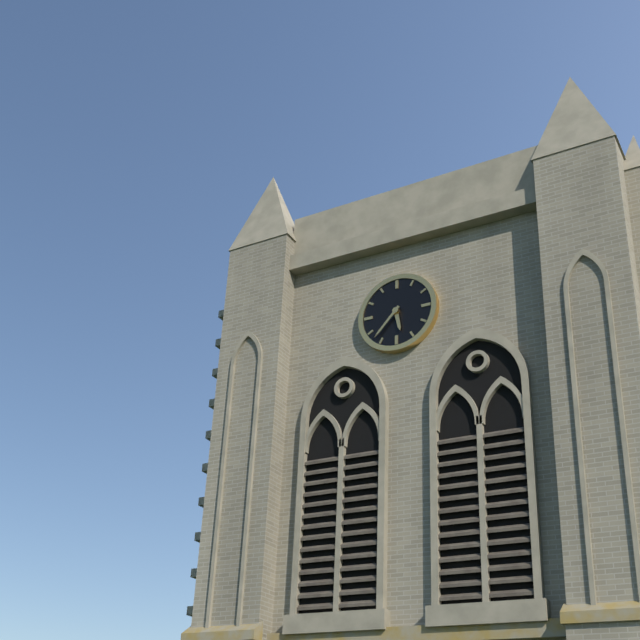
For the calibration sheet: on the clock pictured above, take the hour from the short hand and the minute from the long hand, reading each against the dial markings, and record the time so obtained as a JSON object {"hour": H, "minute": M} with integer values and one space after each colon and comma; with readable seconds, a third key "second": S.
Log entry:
{"hour": 5, "minute": 37}
